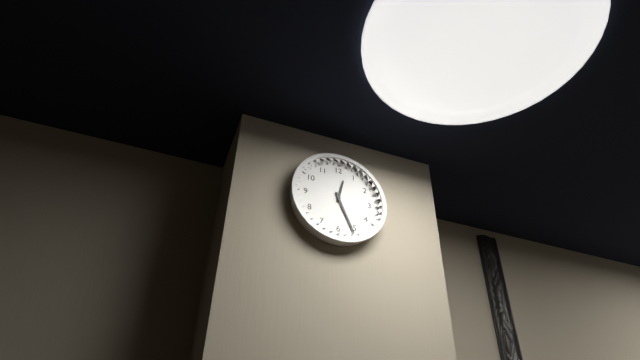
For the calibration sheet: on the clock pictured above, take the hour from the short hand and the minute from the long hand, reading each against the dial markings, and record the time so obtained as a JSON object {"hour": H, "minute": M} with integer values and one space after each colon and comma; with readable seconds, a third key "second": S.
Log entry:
{"hour": 12, "minute": 26}
